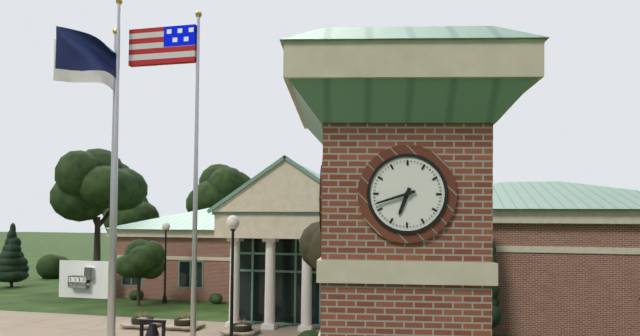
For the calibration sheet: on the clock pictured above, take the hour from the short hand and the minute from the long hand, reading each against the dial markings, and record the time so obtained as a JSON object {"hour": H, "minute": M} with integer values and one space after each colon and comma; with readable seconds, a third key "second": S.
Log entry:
{"hour": 6, "minute": 42}
